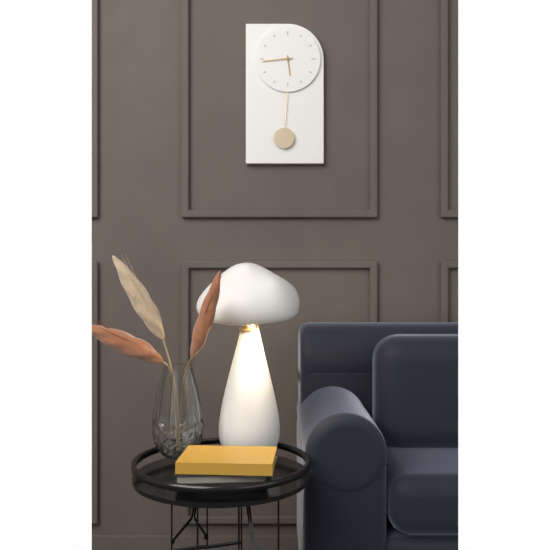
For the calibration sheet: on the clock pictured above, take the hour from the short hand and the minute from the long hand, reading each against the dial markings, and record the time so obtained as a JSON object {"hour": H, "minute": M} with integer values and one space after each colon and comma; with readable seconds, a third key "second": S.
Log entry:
{"hour": 5, "minute": 44}
